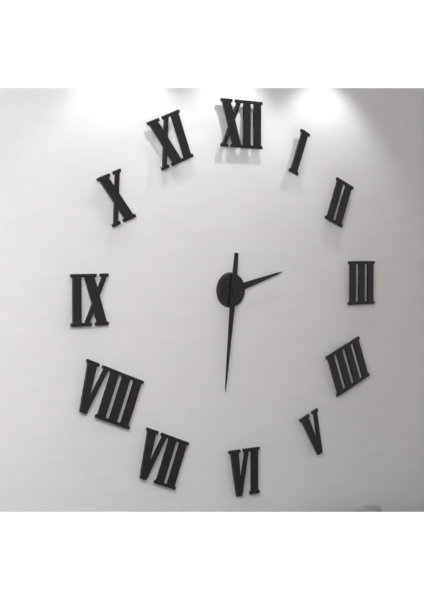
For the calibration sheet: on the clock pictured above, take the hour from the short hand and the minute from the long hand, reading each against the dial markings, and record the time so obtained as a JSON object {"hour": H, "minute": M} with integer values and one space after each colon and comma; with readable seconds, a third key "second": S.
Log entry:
{"hour": 2, "minute": 31}
